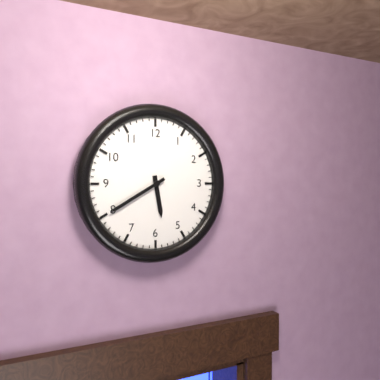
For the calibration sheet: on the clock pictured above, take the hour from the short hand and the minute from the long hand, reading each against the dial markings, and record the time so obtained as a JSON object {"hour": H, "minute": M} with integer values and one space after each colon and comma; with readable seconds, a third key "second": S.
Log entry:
{"hour": 5, "minute": 40}
